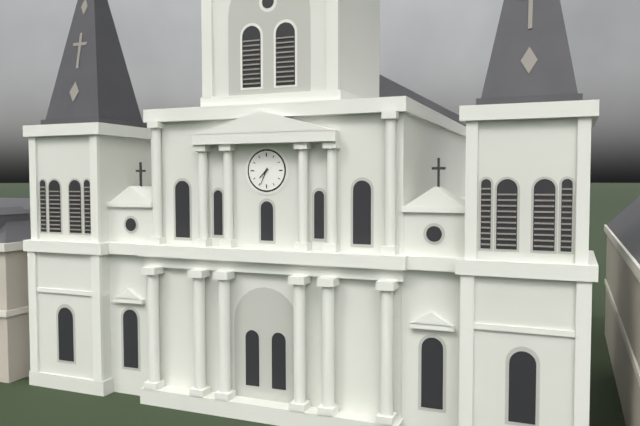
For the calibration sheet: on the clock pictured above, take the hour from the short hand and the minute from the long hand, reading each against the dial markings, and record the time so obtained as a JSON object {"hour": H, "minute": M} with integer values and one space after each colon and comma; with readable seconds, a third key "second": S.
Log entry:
{"hour": 7, "minute": 34}
